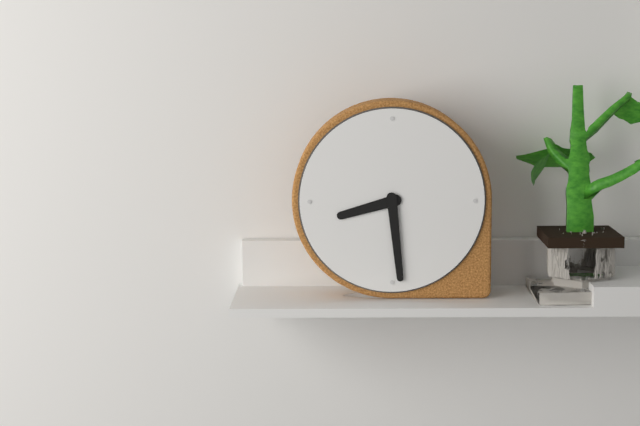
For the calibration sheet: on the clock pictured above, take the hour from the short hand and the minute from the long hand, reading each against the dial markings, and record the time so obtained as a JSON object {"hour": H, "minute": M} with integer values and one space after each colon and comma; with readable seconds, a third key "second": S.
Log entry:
{"hour": 8, "minute": 29}
